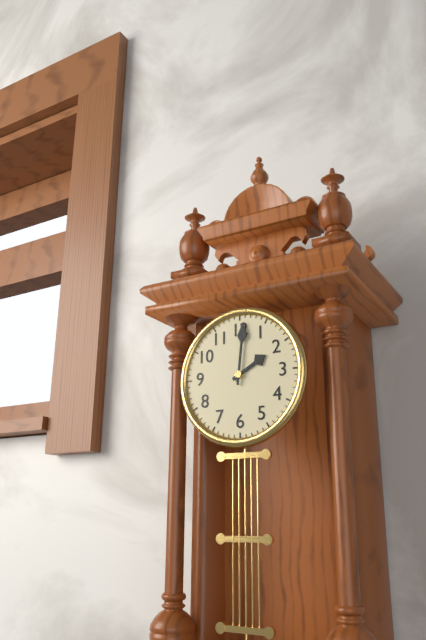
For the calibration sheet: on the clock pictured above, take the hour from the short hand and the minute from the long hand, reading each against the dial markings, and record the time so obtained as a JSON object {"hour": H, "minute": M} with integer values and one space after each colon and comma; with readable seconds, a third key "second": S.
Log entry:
{"hour": 2, "minute": 1}
